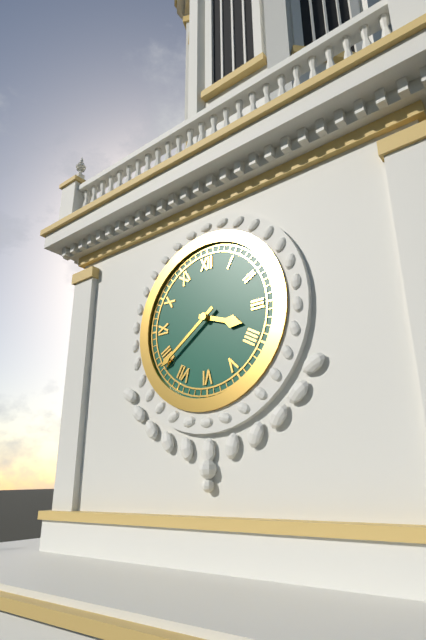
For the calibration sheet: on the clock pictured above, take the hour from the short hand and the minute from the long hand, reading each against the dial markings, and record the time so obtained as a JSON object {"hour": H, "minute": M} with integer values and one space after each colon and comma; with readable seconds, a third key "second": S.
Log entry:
{"hour": 3, "minute": 39}
